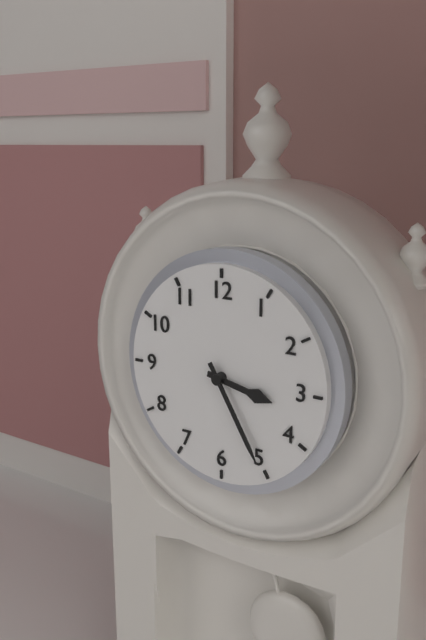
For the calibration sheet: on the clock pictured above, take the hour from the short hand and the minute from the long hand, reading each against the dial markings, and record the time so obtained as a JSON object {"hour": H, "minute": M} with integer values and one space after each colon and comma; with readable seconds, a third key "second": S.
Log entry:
{"hour": 3, "minute": 25}
